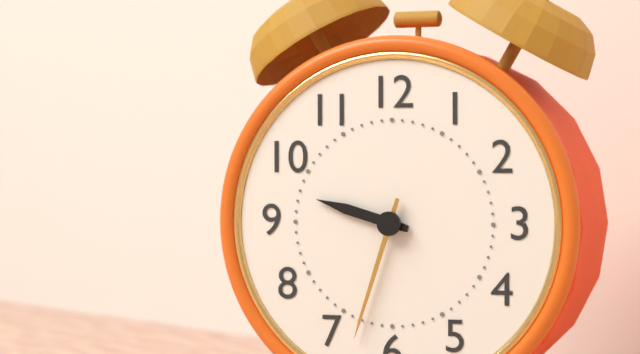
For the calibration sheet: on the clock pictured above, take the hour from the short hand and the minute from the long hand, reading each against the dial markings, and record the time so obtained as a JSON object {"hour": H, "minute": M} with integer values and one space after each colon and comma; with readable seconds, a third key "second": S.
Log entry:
{"hour": 9, "minute": 33}
